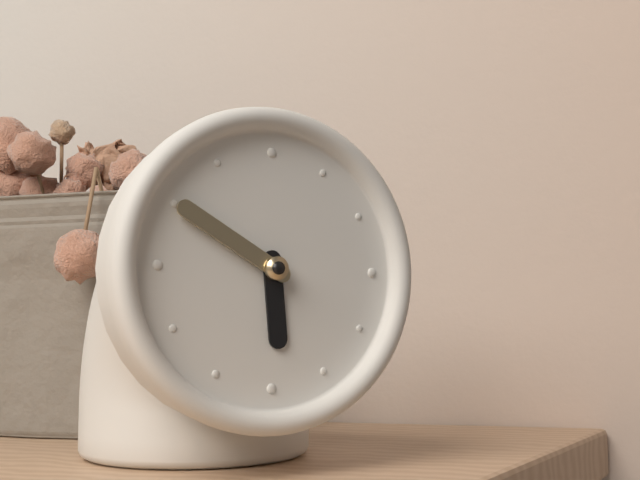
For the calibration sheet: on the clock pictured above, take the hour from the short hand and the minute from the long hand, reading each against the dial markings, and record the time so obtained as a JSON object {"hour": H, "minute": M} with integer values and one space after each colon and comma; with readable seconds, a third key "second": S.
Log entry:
{"hour": 5, "minute": 50}
